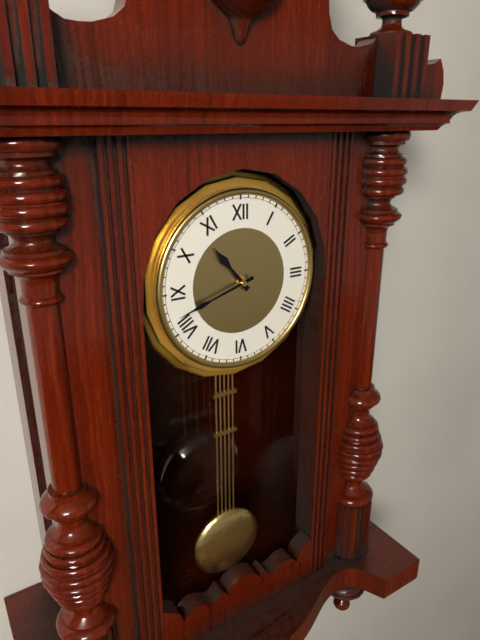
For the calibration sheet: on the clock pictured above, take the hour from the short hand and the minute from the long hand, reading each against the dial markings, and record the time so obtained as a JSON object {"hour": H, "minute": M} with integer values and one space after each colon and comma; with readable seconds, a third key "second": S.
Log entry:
{"hour": 10, "minute": 42}
